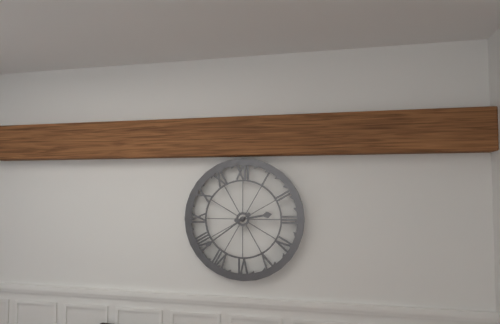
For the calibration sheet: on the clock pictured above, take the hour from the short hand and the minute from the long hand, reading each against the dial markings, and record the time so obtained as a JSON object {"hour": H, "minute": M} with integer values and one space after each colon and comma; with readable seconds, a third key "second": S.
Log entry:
{"hour": 2, "minute": 39}
